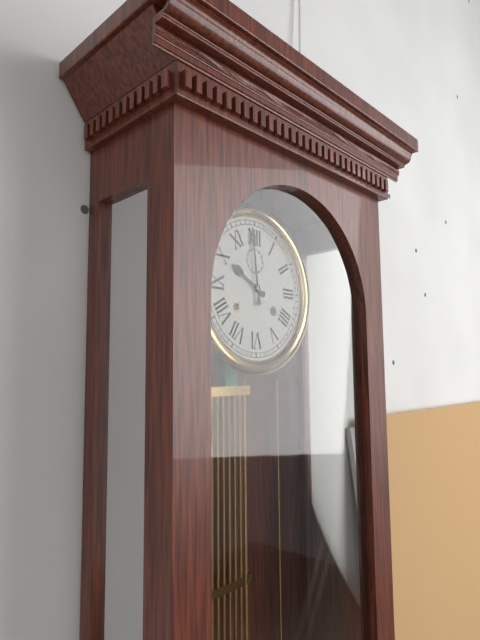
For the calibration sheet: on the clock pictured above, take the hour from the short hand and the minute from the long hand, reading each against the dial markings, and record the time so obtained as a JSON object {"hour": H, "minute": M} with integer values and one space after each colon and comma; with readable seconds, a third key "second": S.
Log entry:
{"hour": 9, "minute": 59}
